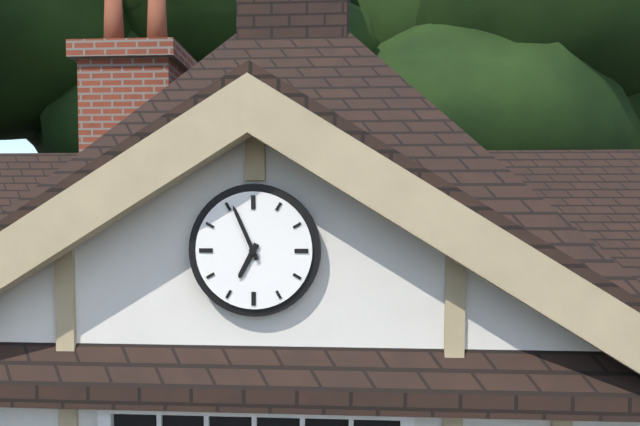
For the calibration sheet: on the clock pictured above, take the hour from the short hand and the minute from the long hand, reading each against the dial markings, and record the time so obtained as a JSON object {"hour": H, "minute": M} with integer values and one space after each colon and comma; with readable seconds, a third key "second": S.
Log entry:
{"hour": 6, "minute": 56}
